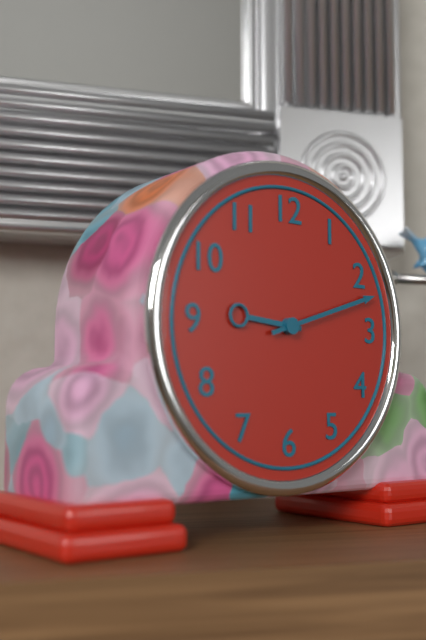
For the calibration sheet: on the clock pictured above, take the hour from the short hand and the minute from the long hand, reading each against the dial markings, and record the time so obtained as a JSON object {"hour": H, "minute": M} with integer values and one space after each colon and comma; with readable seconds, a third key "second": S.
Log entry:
{"hour": 9, "minute": 12}
